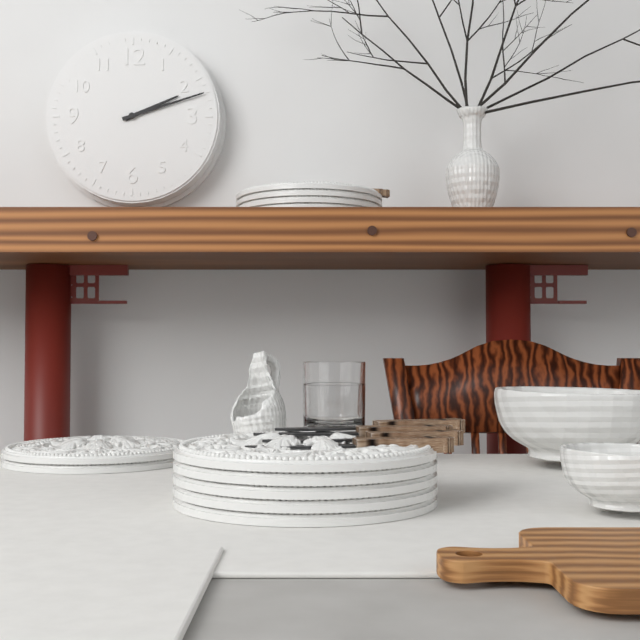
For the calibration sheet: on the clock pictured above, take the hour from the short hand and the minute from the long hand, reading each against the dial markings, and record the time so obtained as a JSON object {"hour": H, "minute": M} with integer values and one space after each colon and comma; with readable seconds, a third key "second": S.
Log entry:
{"hour": 2, "minute": 12}
